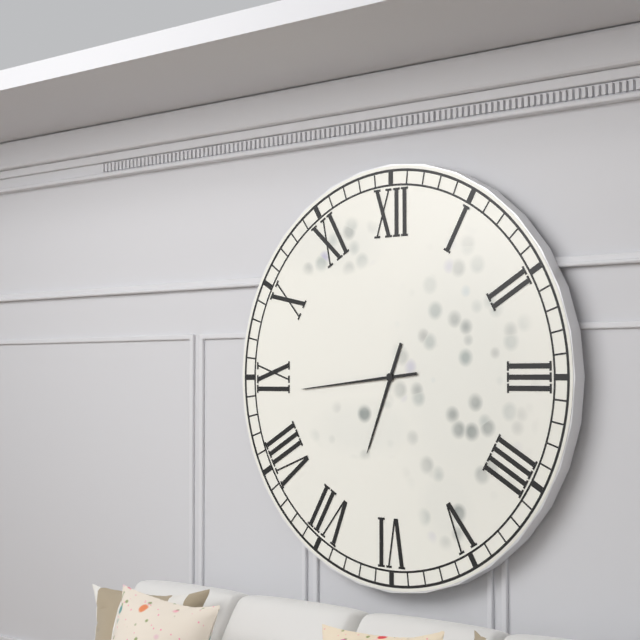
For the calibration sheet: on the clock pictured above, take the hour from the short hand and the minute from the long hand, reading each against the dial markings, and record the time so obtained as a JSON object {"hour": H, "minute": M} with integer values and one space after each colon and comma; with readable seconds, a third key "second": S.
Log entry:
{"hour": 6, "minute": 44}
